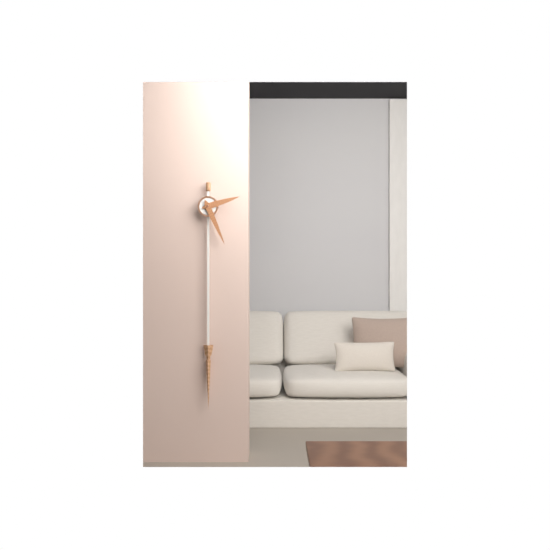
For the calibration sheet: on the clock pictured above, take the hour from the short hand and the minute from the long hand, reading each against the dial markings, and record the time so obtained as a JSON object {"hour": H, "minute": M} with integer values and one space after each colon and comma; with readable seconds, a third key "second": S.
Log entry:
{"hour": 2, "minute": 26}
